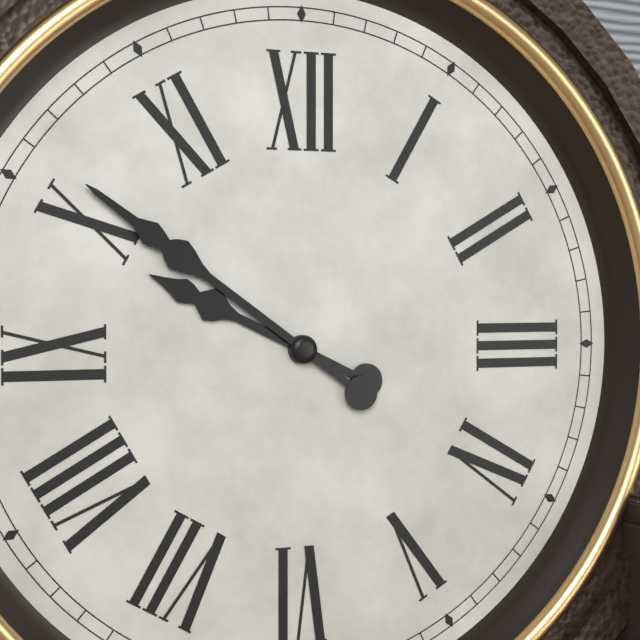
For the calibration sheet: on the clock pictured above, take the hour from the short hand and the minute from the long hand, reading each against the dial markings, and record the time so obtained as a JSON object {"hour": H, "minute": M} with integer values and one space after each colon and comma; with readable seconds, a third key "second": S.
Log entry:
{"hour": 9, "minute": 51}
